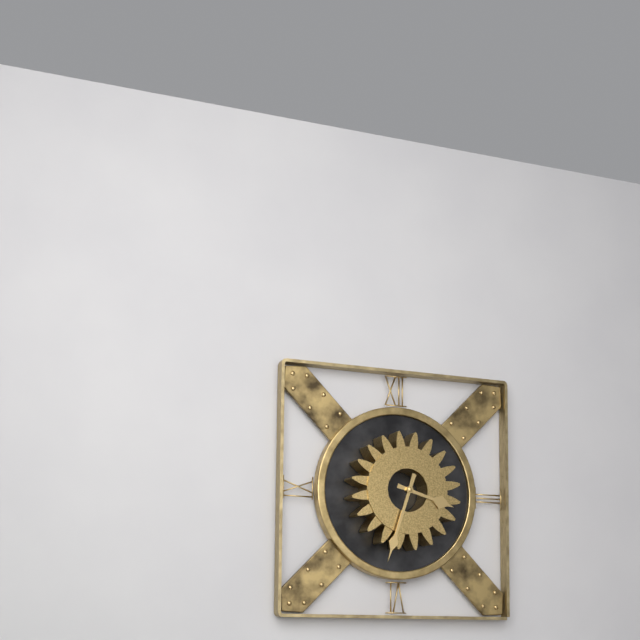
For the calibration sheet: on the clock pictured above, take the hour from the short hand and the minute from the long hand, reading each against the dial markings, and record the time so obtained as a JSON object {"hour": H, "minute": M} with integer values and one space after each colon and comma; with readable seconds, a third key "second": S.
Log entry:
{"hour": 3, "minute": 33}
